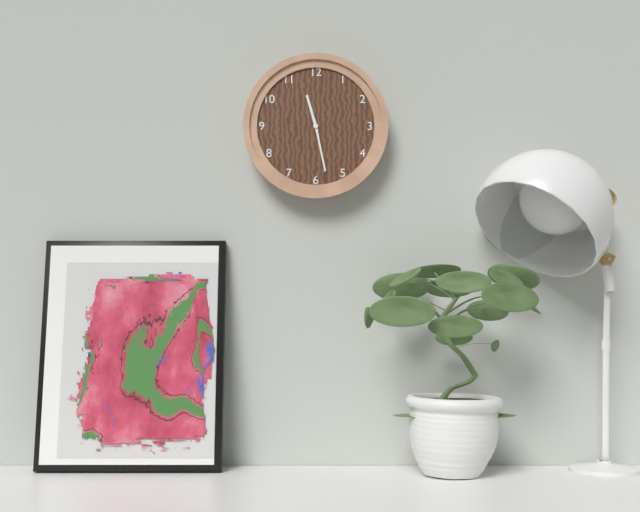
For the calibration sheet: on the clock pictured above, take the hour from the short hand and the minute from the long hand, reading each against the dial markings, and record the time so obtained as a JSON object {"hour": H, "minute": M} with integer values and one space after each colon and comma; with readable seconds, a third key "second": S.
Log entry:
{"hour": 11, "minute": 28}
